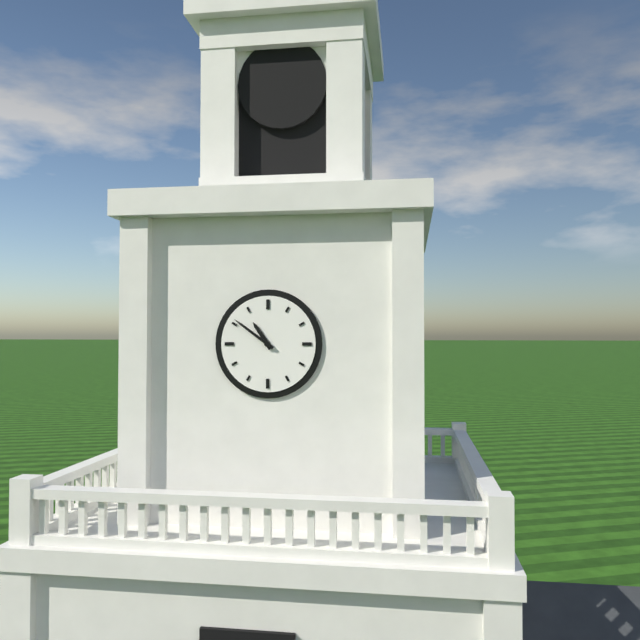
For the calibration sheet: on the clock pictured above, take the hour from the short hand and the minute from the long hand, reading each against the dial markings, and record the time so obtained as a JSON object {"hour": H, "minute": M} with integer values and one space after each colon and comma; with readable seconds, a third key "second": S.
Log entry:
{"hour": 10, "minute": 51}
